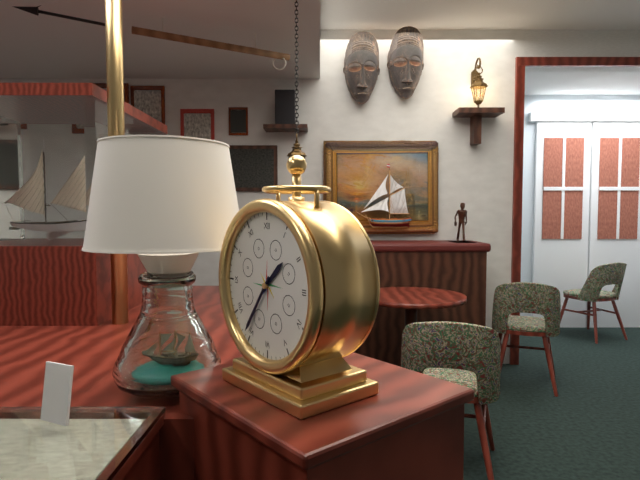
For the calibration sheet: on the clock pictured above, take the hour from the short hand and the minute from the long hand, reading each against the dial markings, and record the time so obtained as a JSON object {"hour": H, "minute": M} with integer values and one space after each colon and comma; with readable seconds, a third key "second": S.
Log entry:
{"hour": 1, "minute": 36}
